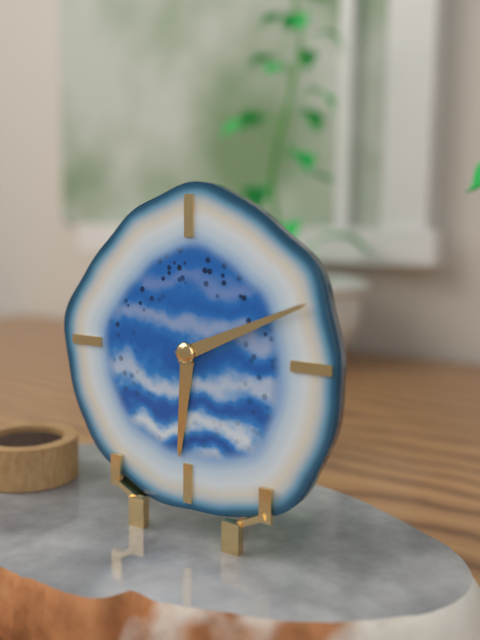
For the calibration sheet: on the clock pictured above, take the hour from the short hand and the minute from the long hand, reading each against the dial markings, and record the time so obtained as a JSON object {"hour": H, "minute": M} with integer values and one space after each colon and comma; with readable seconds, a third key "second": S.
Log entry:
{"hour": 6, "minute": 11}
